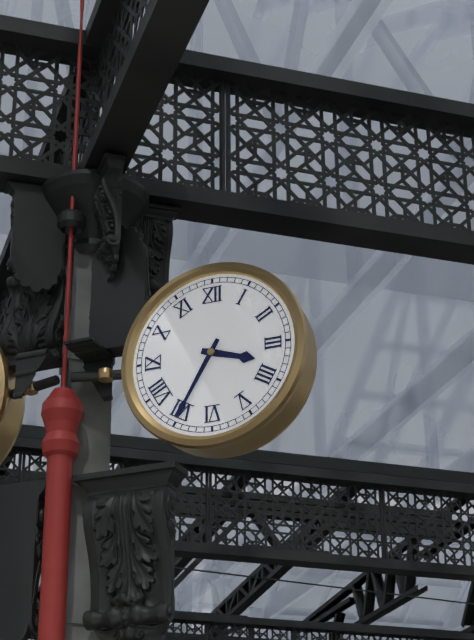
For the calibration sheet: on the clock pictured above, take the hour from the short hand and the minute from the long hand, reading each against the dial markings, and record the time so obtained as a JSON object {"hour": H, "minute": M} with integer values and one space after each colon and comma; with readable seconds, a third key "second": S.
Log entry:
{"hour": 3, "minute": 35}
